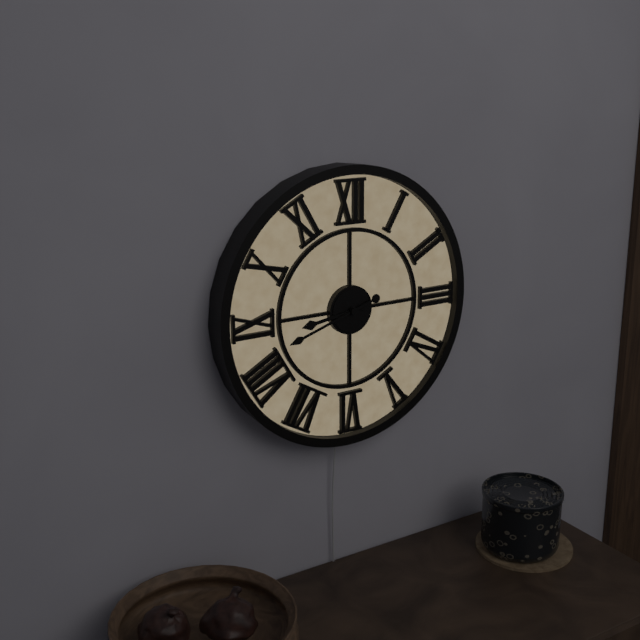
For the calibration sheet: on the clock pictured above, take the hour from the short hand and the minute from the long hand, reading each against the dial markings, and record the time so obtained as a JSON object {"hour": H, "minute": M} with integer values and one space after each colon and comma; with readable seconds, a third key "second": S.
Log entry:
{"hour": 8, "minute": 42}
